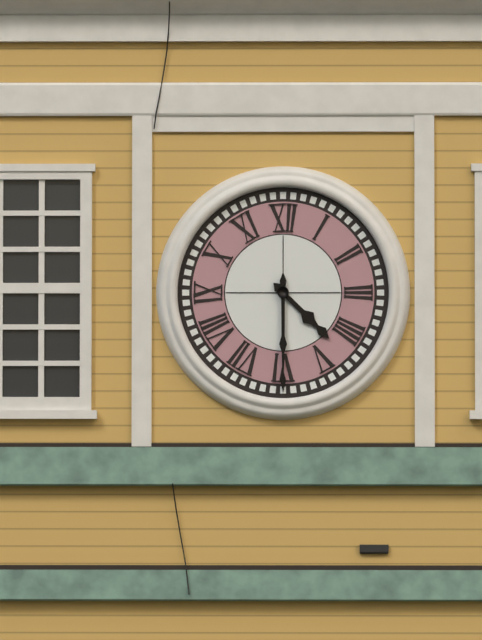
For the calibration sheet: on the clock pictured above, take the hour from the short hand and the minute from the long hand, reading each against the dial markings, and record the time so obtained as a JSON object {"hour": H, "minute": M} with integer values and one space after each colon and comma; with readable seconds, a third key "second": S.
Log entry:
{"hour": 4, "minute": 30}
